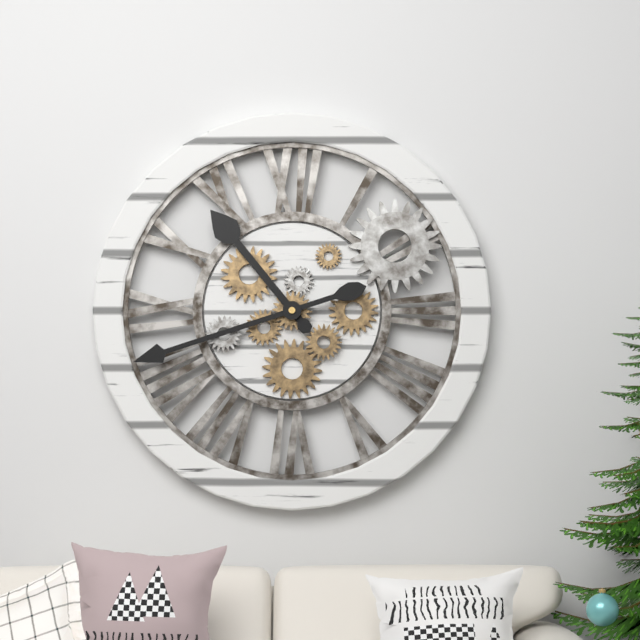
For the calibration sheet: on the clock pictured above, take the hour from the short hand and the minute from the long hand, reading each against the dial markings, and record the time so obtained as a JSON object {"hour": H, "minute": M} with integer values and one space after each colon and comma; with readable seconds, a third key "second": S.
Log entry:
{"hour": 10, "minute": 42}
